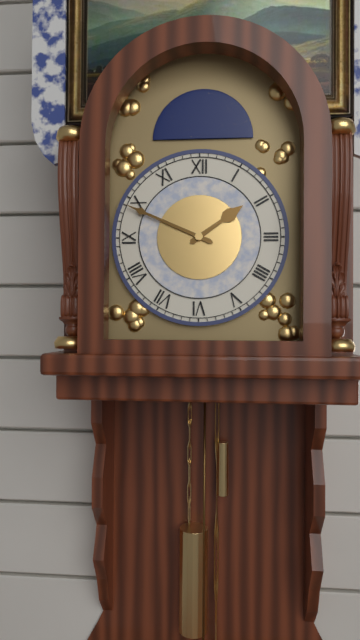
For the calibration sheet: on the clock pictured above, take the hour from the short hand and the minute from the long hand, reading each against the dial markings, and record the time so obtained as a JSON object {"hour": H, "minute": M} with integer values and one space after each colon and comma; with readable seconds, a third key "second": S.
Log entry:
{"hour": 1, "minute": 49}
